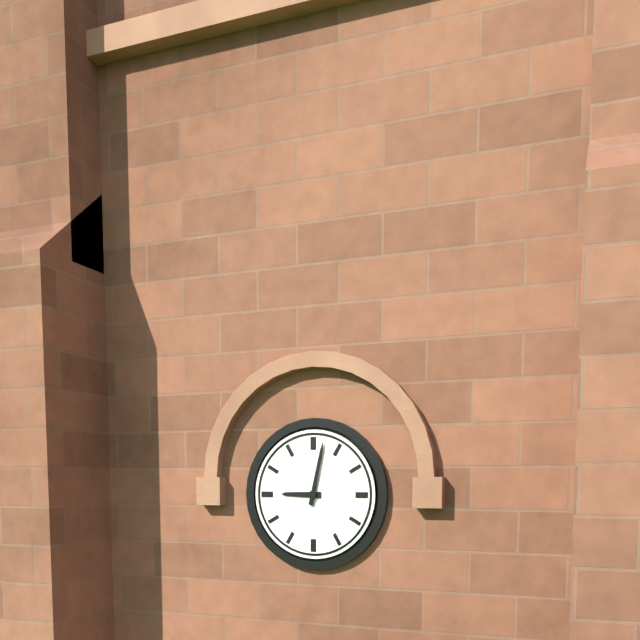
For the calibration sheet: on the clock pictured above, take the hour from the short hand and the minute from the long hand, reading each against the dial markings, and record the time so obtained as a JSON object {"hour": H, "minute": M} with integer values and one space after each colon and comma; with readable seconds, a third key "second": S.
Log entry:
{"hour": 9, "minute": 2}
